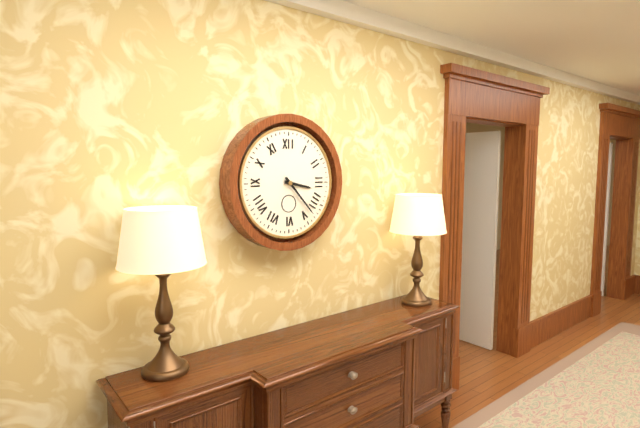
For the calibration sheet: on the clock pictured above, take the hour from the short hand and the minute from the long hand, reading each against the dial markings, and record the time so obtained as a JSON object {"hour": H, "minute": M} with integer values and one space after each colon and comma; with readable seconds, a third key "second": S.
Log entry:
{"hour": 3, "minute": 23}
